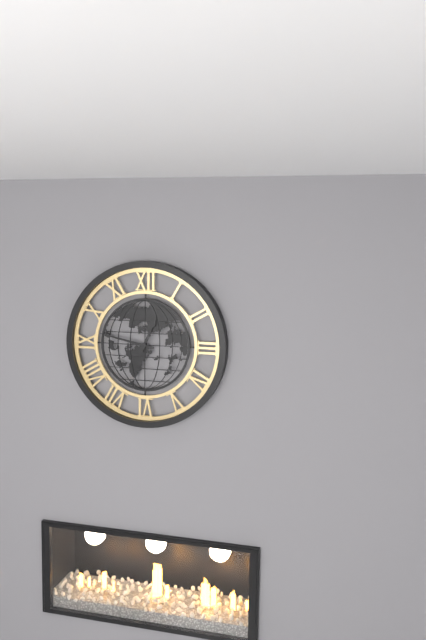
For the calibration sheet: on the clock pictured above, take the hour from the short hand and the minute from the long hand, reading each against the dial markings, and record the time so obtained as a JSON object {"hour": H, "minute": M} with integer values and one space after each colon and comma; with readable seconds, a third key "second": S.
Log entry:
{"hour": 12, "minute": 47}
